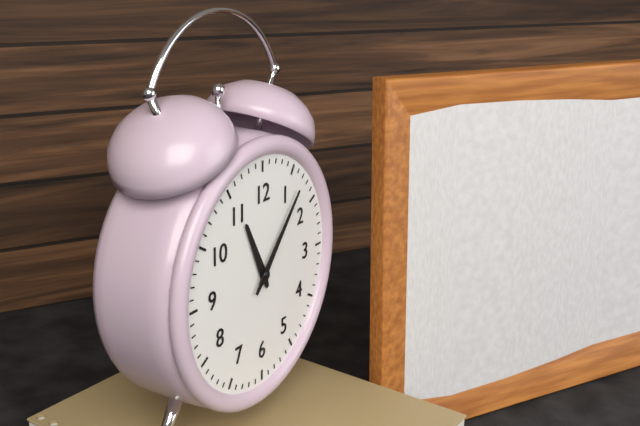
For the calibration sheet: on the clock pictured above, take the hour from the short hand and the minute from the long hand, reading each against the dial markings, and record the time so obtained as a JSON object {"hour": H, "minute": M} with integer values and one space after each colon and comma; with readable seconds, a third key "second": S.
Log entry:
{"hour": 11, "minute": 7}
